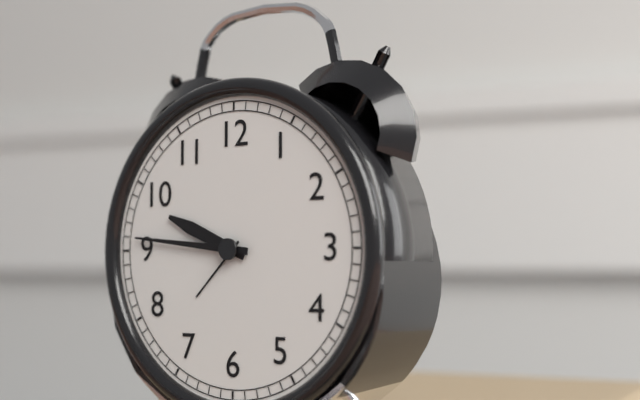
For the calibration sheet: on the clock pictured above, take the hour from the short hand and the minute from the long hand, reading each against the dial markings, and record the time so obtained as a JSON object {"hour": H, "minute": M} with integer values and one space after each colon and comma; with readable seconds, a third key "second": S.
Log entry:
{"hour": 9, "minute": 46}
